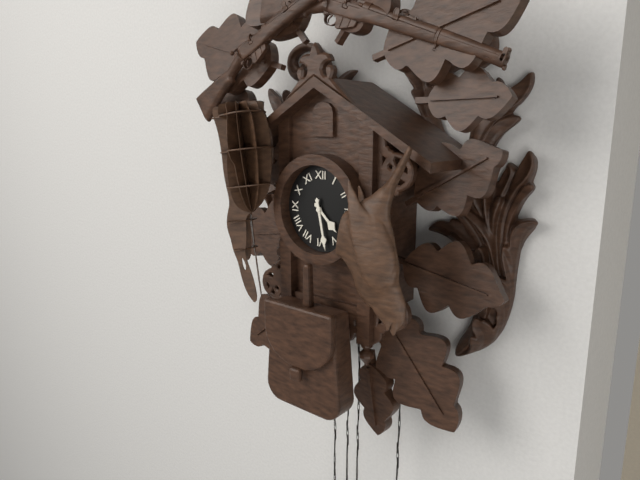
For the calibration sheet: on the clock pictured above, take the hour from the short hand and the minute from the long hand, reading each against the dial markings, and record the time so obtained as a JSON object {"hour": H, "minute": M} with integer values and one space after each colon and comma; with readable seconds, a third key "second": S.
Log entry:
{"hour": 4, "minute": 28}
